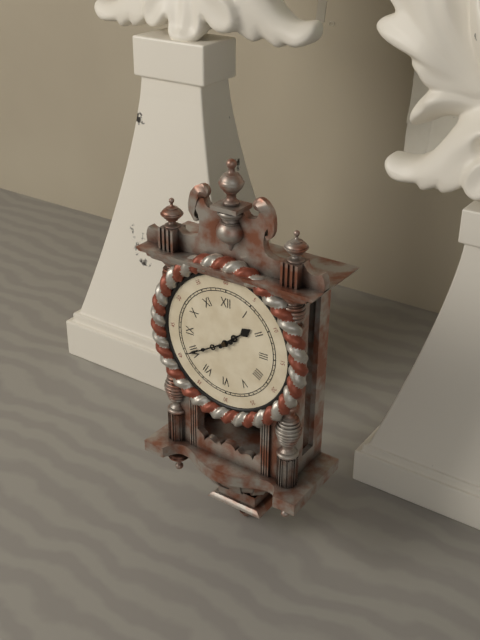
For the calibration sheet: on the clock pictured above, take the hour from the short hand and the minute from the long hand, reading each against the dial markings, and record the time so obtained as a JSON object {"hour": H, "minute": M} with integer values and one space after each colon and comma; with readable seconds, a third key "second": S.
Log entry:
{"hour": 1, "minute": 40}
